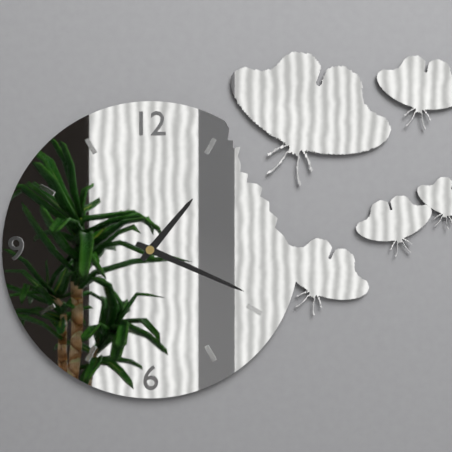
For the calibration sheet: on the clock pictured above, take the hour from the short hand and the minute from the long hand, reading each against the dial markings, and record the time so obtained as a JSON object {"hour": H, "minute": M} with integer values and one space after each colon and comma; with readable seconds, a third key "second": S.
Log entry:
{"hour": 1, "minute": 19}
